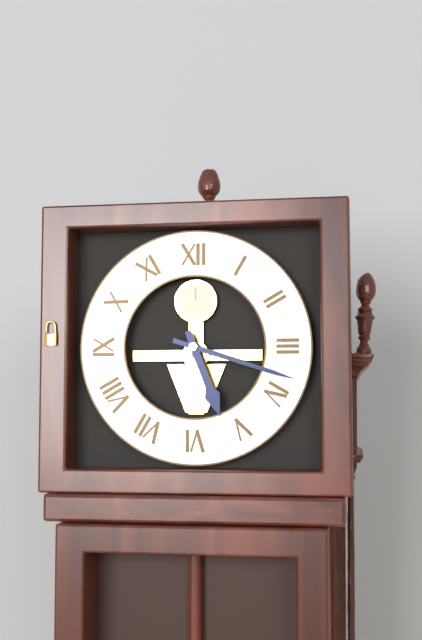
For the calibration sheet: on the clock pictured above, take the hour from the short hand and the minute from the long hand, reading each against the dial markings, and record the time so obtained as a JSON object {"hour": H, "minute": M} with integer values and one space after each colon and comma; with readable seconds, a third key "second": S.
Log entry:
{"hour": 5, "minute": 18}
